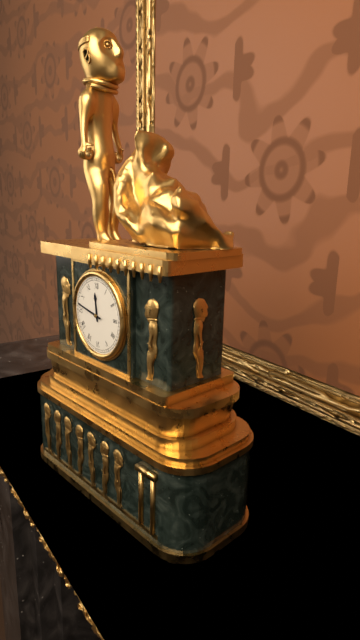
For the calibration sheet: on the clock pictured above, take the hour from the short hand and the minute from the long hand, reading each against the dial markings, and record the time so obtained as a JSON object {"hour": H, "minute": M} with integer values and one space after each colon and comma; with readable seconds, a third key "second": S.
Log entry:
{"hour": 11, "minute": 47}
